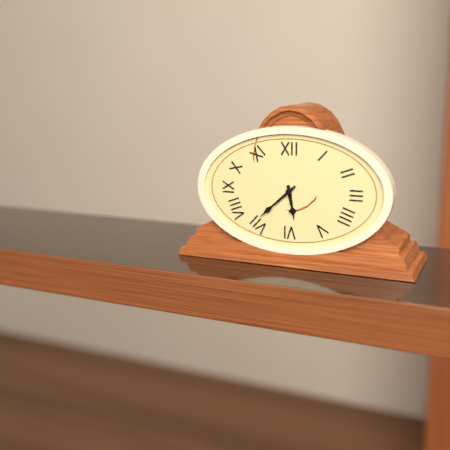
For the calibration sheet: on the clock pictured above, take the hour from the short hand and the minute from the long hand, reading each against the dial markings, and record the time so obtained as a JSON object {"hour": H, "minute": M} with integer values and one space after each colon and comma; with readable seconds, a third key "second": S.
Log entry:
{"hour": 5, "minute": 38}
